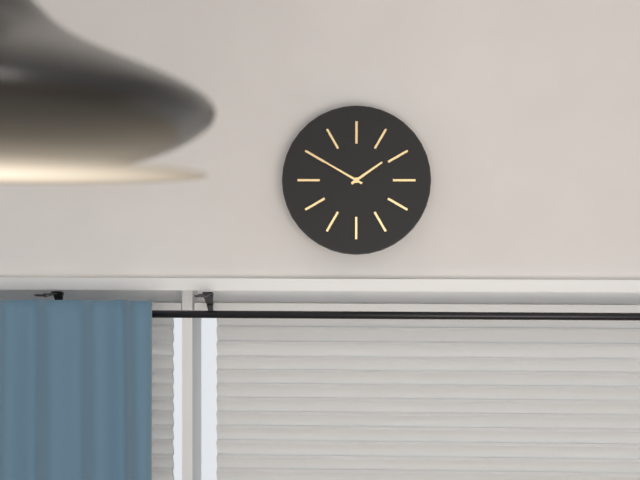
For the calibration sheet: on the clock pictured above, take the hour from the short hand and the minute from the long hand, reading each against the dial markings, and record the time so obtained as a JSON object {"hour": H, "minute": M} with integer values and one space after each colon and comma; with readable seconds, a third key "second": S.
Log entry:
{"hour": 1, "minute": 50}
